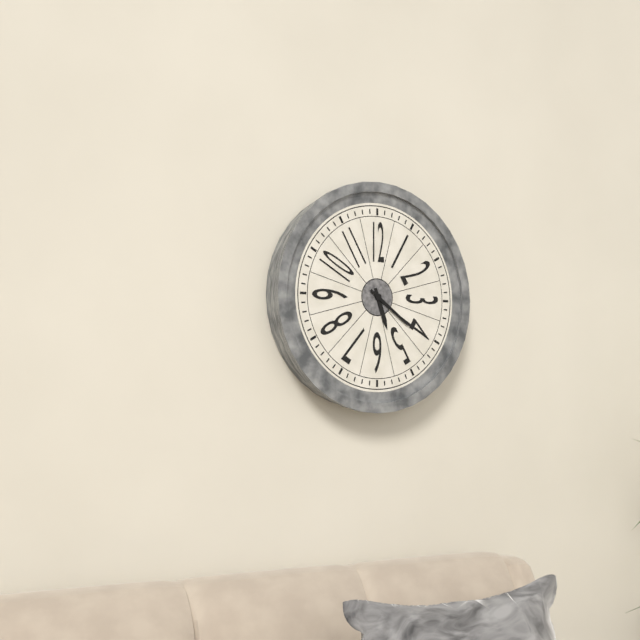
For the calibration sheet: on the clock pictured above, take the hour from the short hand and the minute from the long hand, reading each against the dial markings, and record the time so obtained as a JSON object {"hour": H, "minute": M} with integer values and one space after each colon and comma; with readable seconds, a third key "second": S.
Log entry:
{"hour": 5, "minute": 21}
